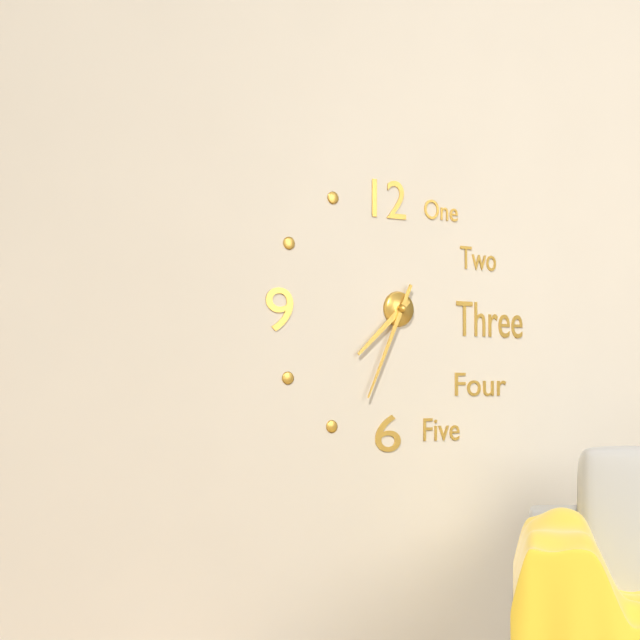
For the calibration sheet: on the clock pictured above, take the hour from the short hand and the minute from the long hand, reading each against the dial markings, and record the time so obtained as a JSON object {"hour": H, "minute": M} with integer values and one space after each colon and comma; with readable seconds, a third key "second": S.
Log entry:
{"hour": 7, "minute": 34}
